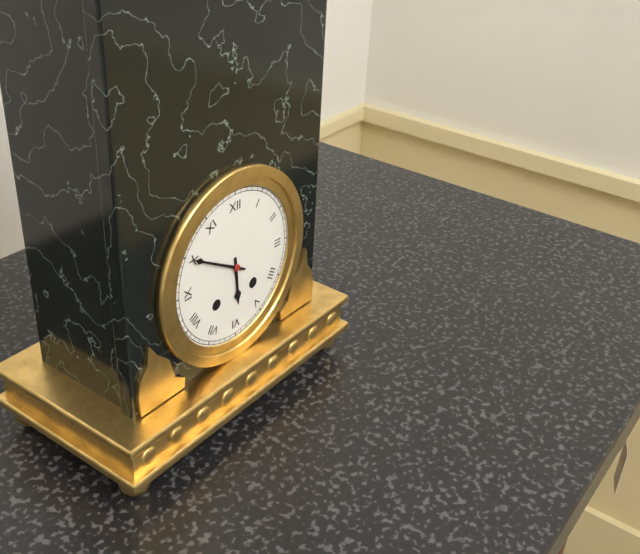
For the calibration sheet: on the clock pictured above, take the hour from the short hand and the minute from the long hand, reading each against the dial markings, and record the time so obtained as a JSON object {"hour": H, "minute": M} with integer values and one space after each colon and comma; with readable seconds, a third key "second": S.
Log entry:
{"hour": 5, "minute": 50}
